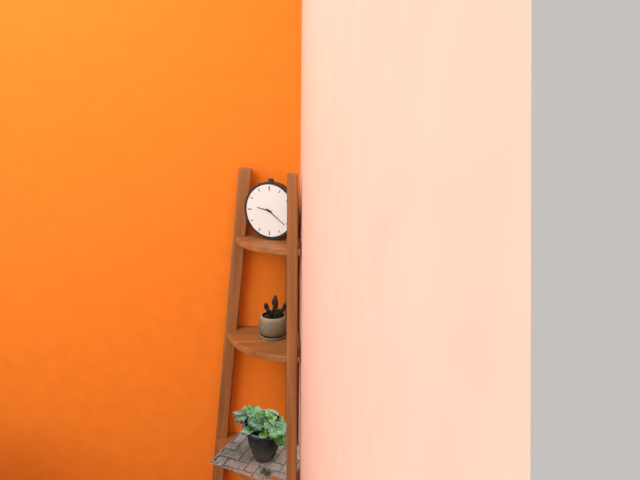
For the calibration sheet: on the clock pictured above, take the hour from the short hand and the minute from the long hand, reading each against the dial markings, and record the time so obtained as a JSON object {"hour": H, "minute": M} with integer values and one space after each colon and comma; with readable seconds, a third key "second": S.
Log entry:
{"hour": 9, "minute": 21}
